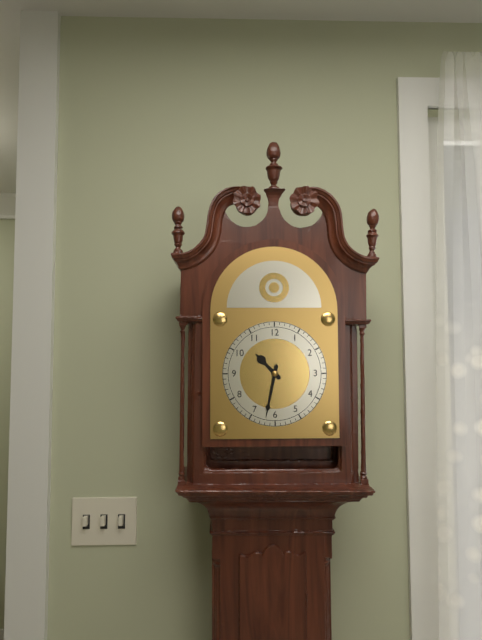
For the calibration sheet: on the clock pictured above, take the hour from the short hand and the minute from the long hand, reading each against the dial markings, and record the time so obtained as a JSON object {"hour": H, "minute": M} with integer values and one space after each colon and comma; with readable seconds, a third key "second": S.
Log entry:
{"hour": 10, "minute": 32}
